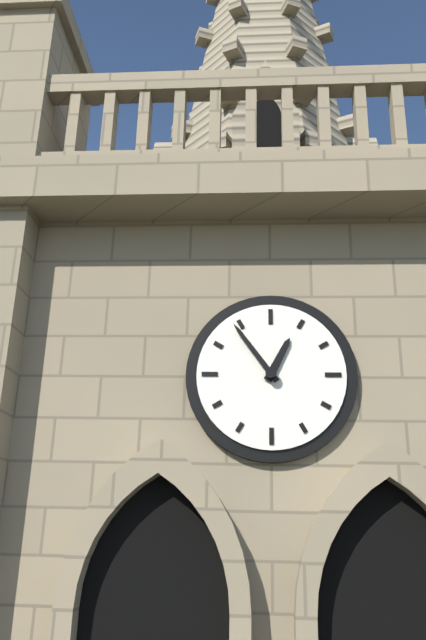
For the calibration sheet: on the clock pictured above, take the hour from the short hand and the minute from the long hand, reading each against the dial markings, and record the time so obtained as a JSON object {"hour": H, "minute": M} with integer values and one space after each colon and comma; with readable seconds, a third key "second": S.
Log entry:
{"hour": 12, "minute": 54}
